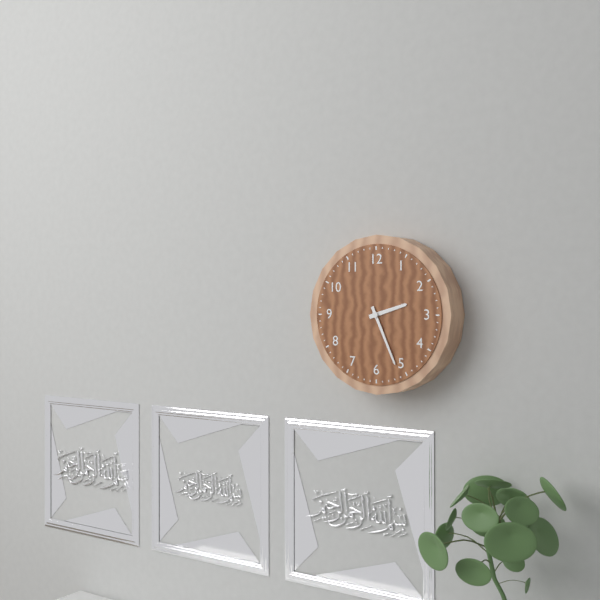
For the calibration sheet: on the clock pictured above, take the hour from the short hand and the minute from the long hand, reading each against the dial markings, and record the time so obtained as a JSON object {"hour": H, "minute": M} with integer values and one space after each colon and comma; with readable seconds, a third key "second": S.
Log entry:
{"hour": 2, "minute": 26}
